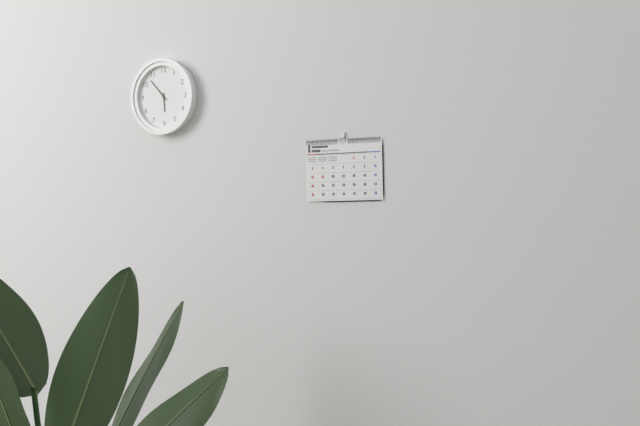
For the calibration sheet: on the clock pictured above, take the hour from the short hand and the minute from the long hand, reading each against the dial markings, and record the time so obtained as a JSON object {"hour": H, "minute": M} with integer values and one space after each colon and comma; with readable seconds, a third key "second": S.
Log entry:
{"hour": 5, "minute": 53}
